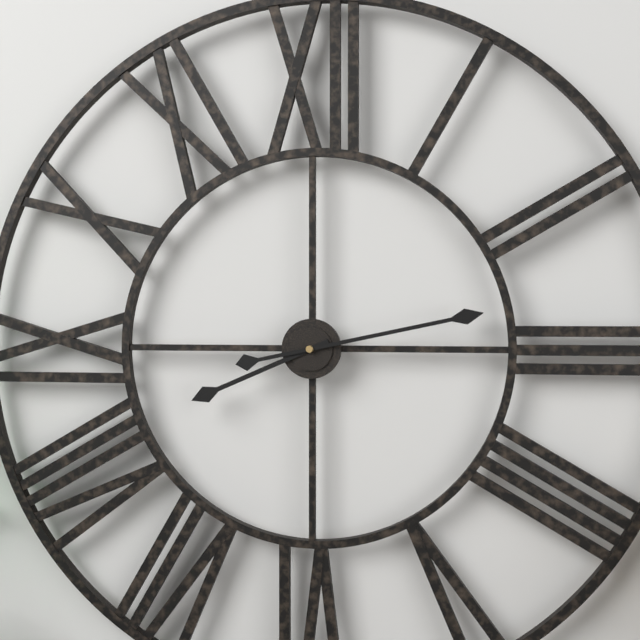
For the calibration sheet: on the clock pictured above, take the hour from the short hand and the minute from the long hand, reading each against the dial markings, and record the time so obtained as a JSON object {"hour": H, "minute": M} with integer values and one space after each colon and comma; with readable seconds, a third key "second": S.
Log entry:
{"hour": 8, "minute": 13}
